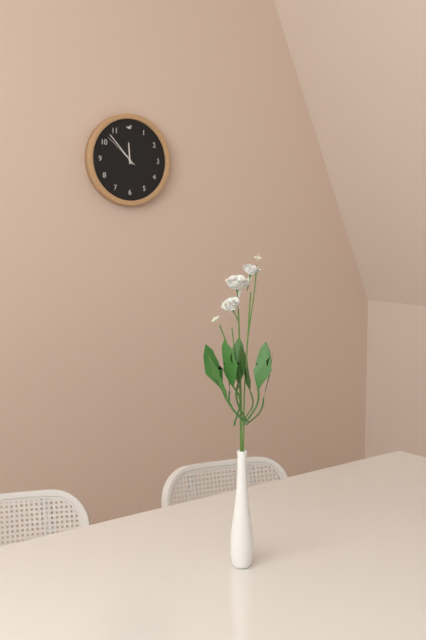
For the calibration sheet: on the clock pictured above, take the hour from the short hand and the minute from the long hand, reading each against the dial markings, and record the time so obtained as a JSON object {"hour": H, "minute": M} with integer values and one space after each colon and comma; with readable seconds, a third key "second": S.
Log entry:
{"hour": 11, "minute": 53}
